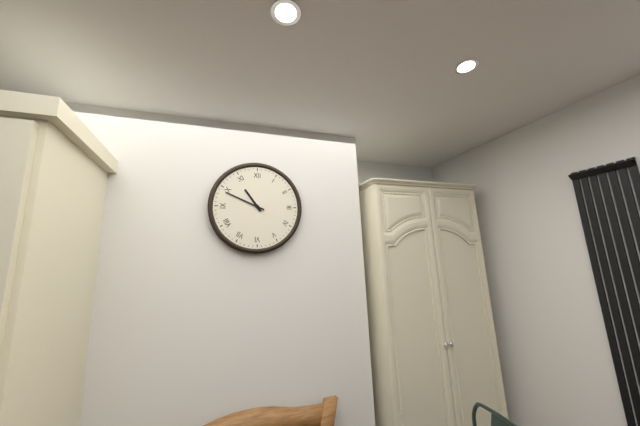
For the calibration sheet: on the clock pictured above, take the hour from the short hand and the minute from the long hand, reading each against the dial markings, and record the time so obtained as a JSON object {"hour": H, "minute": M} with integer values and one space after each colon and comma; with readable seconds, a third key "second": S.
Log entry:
{"hour": 10, "minute": 49}
